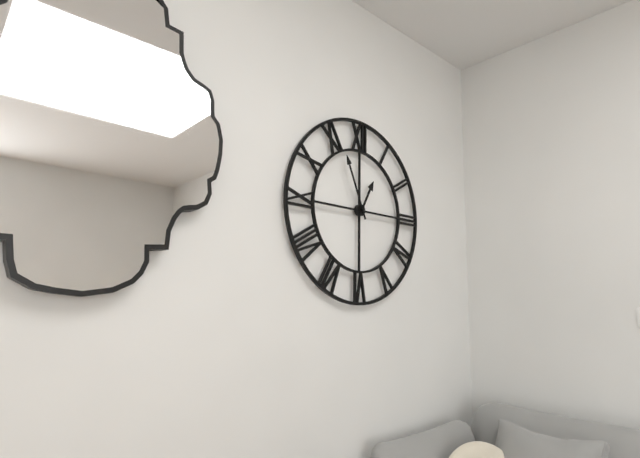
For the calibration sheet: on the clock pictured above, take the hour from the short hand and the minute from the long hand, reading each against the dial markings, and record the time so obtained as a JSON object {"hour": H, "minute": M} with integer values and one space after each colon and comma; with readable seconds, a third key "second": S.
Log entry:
{"hour": 12, "minute": 56}
